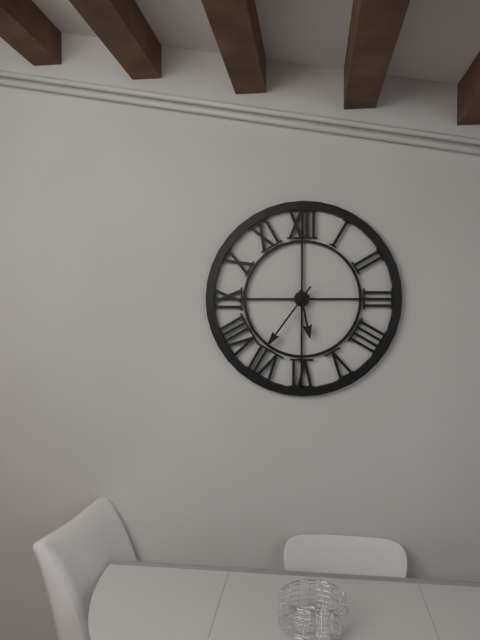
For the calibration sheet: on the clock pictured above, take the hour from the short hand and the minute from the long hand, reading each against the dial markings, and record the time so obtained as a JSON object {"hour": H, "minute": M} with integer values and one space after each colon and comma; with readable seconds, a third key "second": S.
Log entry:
{"hour": 5, "minute": 36}
